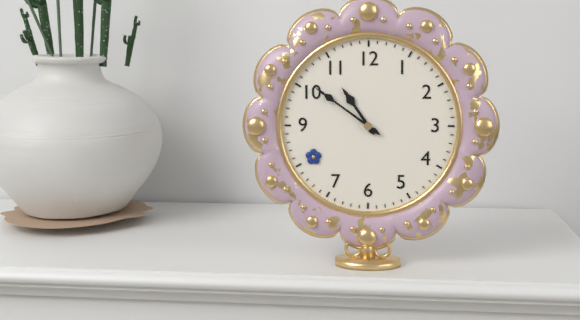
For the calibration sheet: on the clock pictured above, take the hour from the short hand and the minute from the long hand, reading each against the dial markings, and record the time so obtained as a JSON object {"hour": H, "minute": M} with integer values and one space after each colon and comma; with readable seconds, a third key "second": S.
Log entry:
{"hour": 10, "minute": 51}
